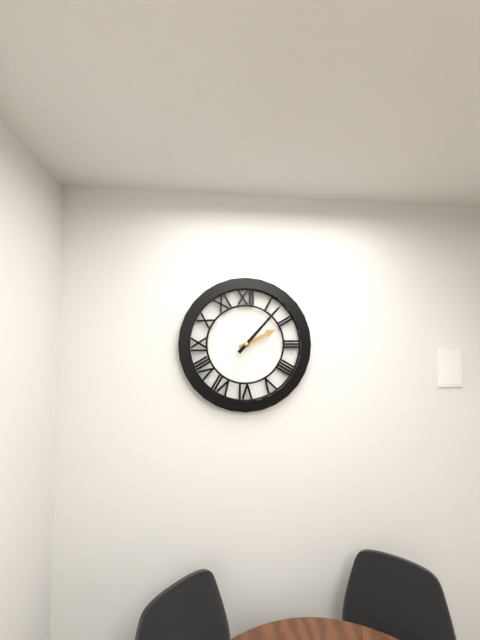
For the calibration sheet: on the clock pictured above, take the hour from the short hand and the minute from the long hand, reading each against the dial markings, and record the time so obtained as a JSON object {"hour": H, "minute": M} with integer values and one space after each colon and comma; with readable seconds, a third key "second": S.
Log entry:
{"hour": 2, "minute": 7}
